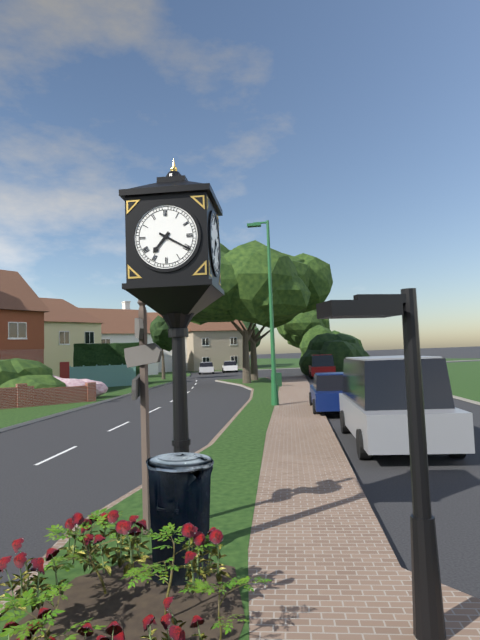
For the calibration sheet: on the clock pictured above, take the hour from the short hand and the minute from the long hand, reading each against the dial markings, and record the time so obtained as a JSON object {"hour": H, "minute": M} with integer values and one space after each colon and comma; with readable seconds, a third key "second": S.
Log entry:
{"hour": 7, "minute": 20}
